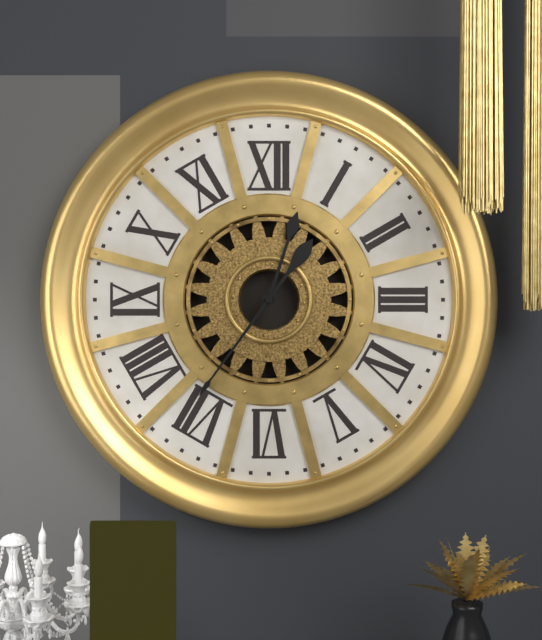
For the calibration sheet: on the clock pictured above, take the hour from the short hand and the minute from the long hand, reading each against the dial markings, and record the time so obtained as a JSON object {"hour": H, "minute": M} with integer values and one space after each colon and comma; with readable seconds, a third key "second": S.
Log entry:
{"hour": 12, "minute": 36}
